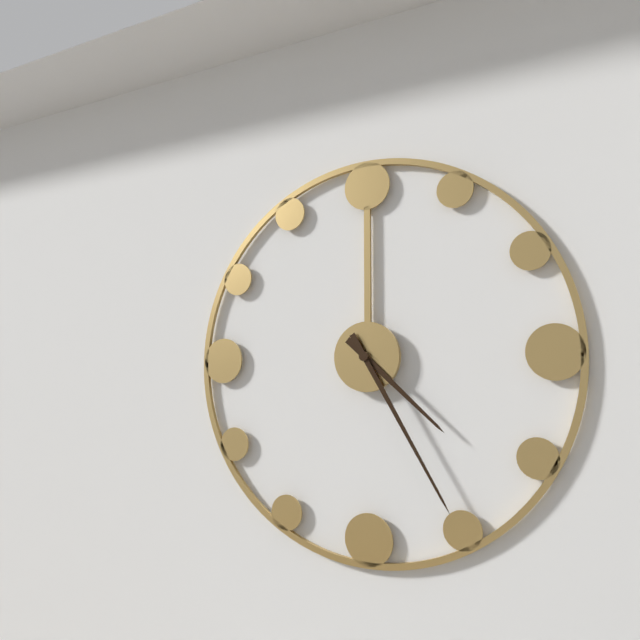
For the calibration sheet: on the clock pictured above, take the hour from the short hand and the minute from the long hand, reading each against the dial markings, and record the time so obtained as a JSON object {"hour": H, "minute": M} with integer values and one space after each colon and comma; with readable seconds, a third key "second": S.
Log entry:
{"hour": 4, "minute": 25}
